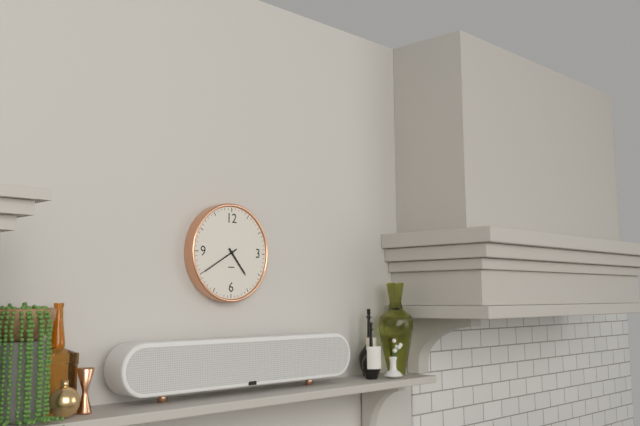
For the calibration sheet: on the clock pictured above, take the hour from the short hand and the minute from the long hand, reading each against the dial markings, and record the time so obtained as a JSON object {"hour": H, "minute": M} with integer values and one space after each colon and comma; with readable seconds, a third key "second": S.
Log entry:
{"hour": 4, "minute": 40}
